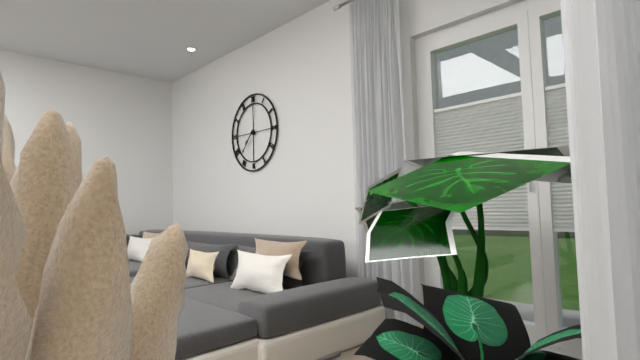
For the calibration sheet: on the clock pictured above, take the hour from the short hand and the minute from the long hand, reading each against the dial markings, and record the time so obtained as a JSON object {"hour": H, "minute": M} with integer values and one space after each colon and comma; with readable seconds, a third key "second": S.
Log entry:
{"hour": 7, "minute": 37}
